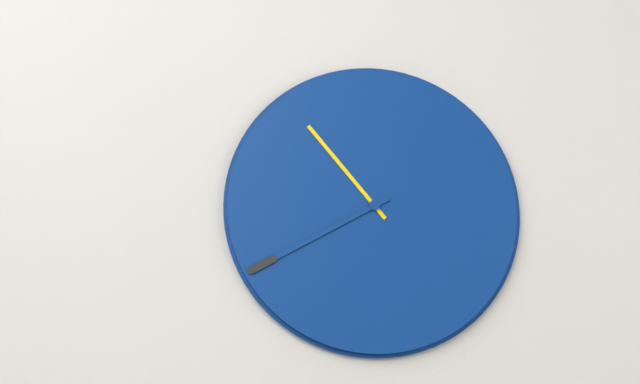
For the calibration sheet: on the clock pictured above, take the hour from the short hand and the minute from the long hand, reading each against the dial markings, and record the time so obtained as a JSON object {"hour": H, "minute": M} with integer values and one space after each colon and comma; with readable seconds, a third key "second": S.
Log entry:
{"hour": 10, "minute": 40}
